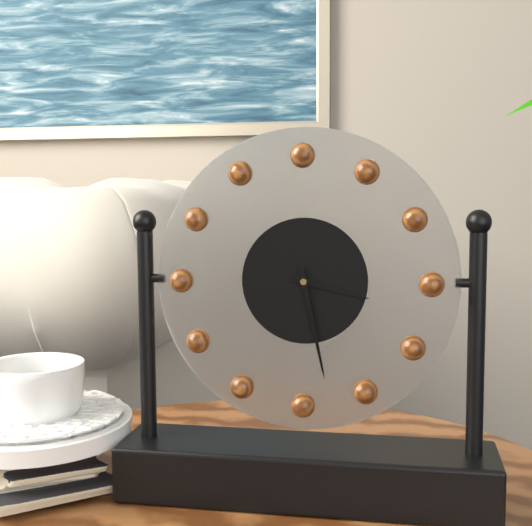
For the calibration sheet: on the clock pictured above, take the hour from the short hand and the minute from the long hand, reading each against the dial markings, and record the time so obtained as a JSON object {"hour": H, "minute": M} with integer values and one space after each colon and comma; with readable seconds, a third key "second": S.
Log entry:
{"hour": 3, "minute": 28}
